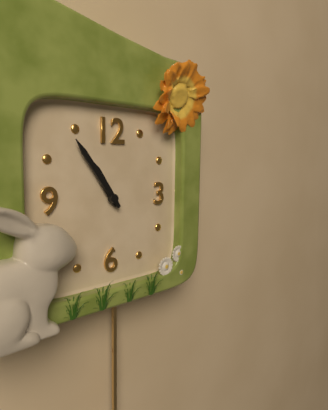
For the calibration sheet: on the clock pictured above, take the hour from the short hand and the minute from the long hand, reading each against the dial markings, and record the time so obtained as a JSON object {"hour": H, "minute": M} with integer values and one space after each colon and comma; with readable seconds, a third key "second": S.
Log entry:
{"hour": 10, "minute": 54}
